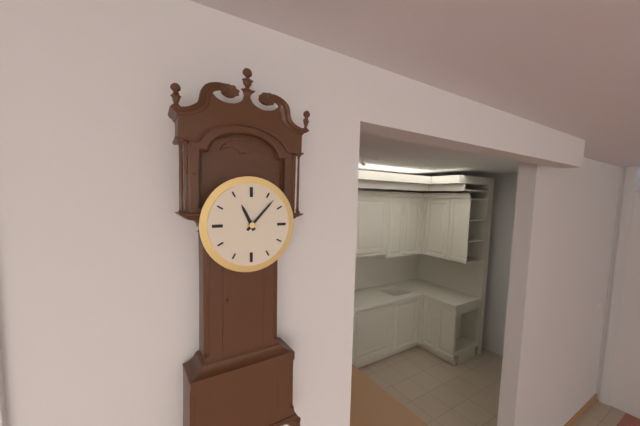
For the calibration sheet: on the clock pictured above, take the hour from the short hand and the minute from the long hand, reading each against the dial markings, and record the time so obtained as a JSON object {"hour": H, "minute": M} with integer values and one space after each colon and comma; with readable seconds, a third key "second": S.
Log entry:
{"hour": 11, "minute": 7}
